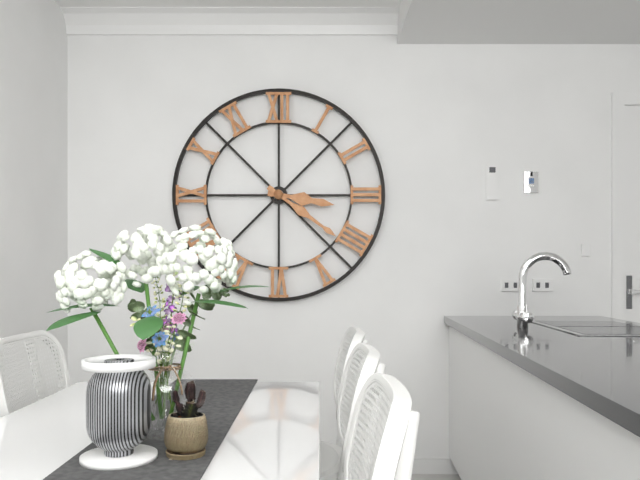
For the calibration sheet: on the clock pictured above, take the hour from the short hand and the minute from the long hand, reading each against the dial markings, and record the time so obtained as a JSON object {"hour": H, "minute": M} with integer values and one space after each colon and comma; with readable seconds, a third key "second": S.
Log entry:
{"hour": 3, "minute": 21}
